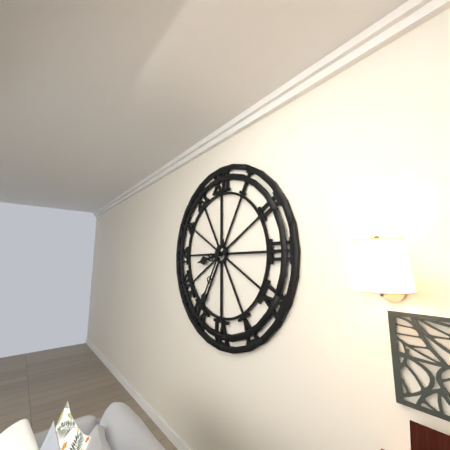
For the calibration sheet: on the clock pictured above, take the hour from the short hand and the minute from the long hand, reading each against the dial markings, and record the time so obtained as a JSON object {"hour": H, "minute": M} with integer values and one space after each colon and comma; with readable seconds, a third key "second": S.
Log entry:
{"hour": 8, "minute": 35}
